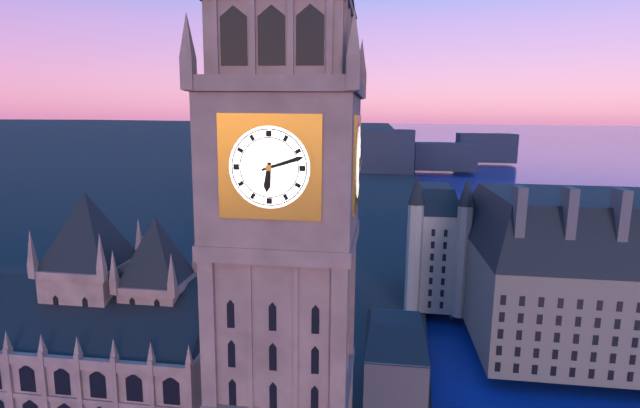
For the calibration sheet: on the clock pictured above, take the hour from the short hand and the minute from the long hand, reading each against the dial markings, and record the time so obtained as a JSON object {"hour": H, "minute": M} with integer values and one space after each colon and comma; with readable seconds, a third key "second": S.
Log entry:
{"hour": 6, "minute": 12}
